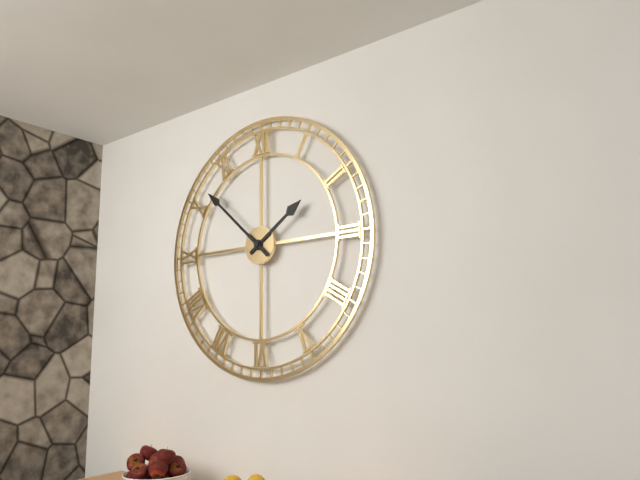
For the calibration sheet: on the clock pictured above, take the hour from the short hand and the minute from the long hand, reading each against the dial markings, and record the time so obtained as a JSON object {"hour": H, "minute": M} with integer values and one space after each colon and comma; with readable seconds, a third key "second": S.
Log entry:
{"hour": 1, "minute": 52}
